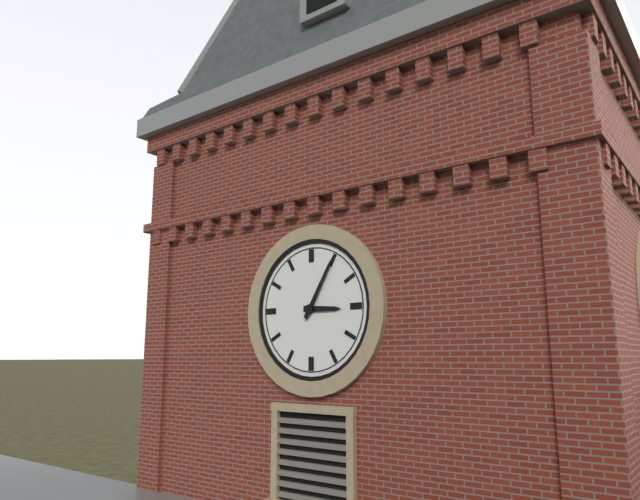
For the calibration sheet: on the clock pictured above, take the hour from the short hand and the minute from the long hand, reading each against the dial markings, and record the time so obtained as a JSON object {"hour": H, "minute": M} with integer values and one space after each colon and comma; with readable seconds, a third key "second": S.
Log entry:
{"hour": 3, "minute": 5}
